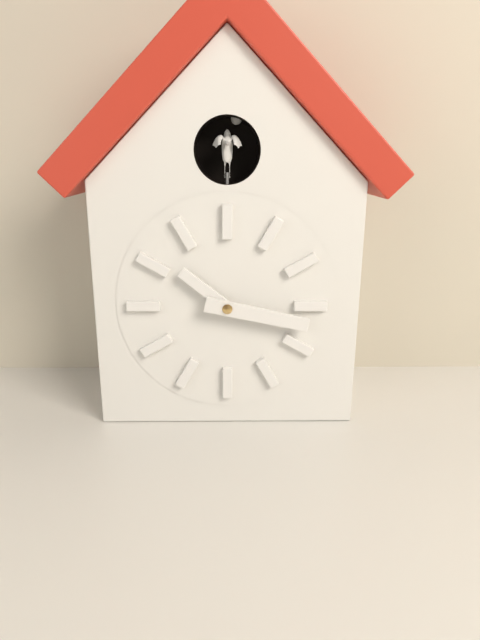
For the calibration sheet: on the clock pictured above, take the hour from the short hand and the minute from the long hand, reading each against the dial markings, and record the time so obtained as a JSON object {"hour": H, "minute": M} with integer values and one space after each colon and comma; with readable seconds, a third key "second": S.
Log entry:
{"hour": 10, "minute": 17}
